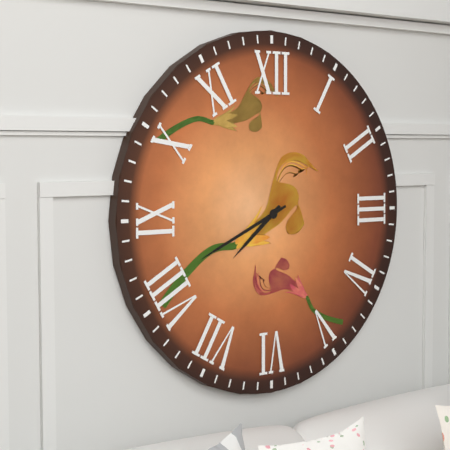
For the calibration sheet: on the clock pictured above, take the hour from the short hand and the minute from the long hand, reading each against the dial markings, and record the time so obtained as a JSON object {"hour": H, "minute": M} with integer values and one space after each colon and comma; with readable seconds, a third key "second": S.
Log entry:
{"hour": 7, "minute": 41}
